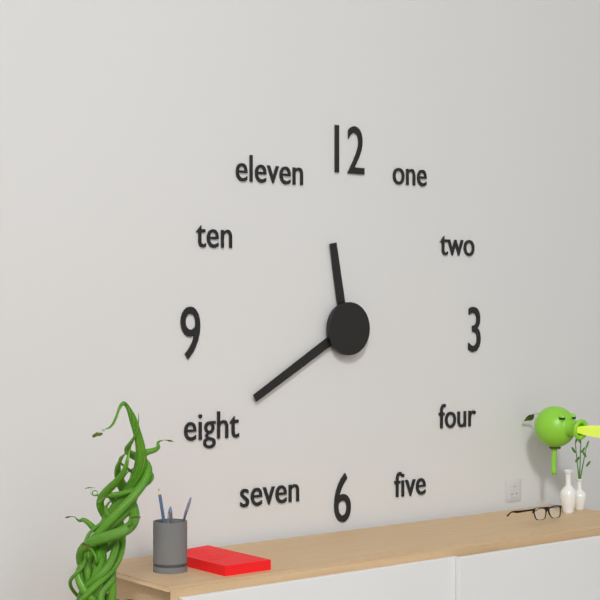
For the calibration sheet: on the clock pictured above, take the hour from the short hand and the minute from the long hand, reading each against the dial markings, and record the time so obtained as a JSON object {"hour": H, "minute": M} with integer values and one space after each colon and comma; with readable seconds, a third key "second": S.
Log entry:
{"hour": 11, "minute": 40}
